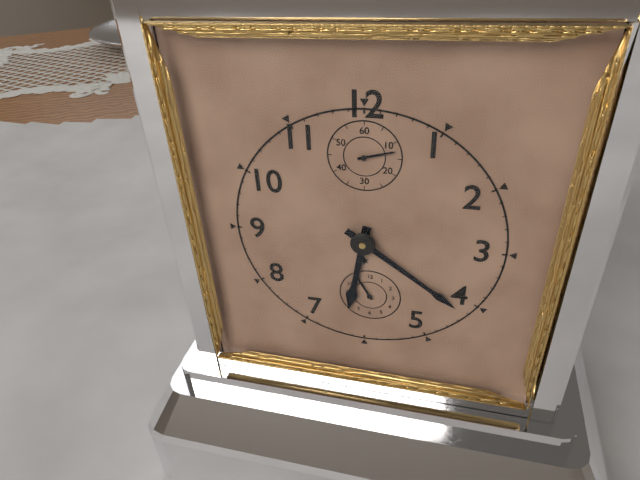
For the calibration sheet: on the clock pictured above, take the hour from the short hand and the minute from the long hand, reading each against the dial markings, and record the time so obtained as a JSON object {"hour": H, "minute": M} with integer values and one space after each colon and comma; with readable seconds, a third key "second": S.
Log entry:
{"hour": 6, "minute": 21}
